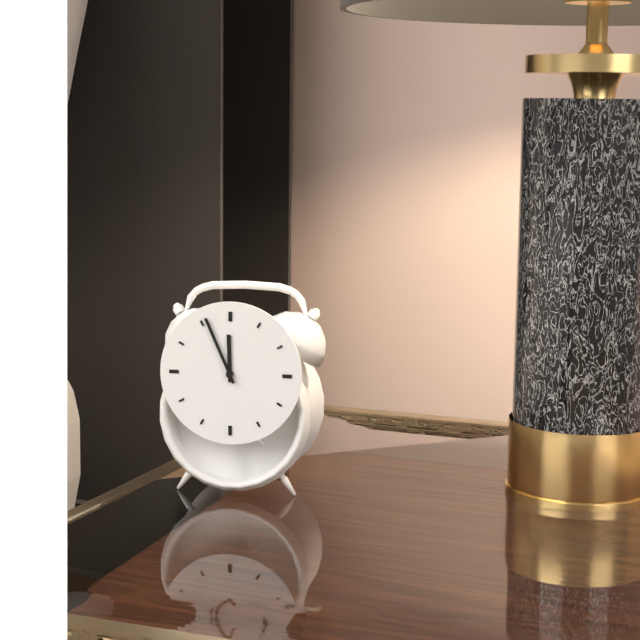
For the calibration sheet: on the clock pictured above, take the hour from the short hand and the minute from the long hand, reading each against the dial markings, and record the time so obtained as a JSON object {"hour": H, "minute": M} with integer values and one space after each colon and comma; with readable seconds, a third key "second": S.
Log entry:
{"hour": 11, "minute": 56}
